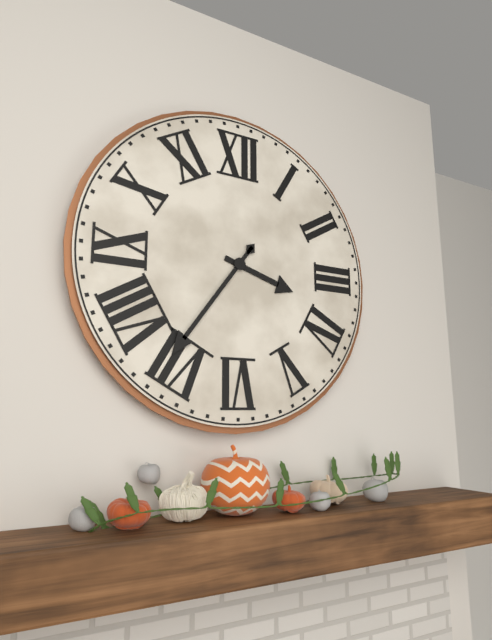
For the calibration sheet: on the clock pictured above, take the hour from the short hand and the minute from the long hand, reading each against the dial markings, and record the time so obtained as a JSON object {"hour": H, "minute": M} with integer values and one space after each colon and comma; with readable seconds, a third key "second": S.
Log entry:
{"hour": 3, "minute": 36}
